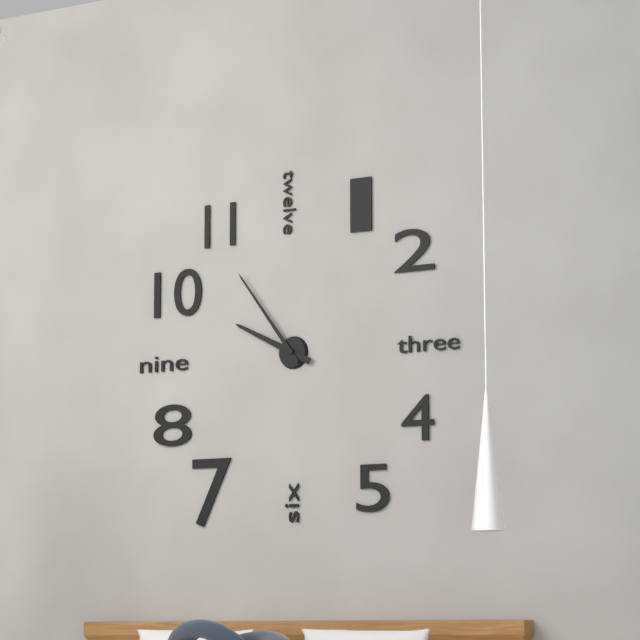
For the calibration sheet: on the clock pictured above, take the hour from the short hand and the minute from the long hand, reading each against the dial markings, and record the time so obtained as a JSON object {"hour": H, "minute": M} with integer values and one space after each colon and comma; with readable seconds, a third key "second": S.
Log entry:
{"hour": 9, "minute": 54}
